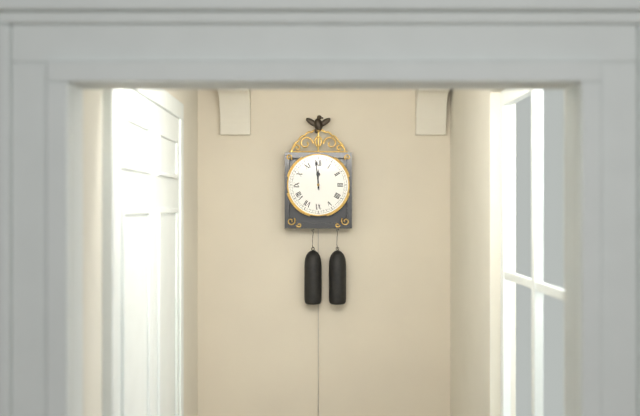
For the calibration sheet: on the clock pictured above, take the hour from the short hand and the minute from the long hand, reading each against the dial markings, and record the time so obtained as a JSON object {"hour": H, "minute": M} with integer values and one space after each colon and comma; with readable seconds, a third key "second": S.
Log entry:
{"hour": 11, "minute": 59}
